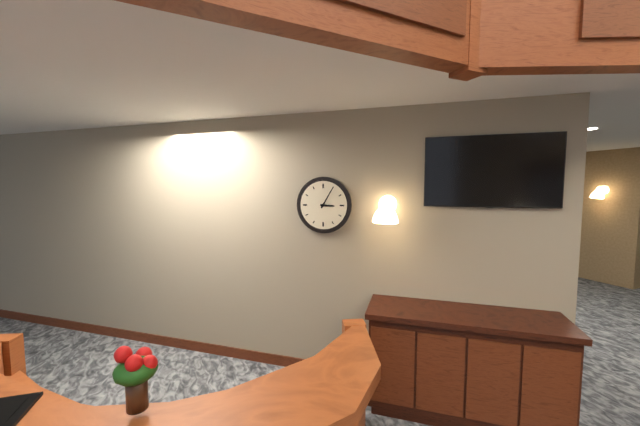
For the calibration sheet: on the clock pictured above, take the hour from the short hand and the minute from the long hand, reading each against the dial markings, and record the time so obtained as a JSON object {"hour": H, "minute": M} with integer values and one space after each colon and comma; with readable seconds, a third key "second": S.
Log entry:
{"hour": 3, "minute": 5}
